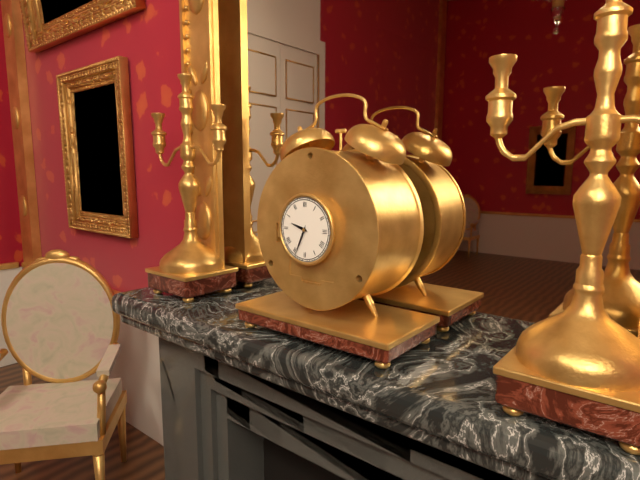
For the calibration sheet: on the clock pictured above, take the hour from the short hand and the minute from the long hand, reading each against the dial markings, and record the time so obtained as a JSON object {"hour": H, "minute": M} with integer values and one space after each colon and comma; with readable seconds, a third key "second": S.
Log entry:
{"hour": 9, "minute": 34}
